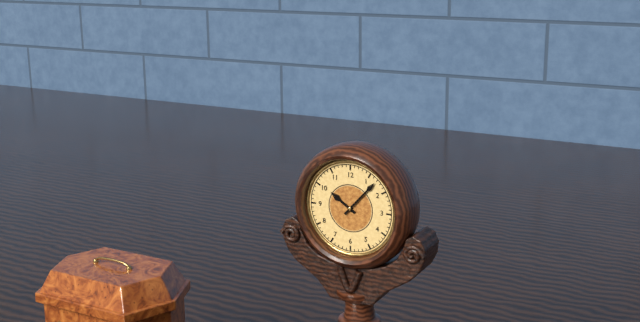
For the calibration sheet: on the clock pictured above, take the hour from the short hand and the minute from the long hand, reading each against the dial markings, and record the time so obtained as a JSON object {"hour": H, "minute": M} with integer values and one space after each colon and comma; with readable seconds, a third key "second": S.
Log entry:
{"hour": 10, "minute": 7}
